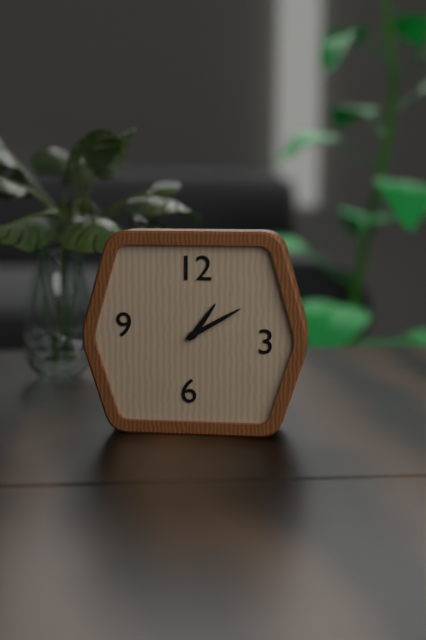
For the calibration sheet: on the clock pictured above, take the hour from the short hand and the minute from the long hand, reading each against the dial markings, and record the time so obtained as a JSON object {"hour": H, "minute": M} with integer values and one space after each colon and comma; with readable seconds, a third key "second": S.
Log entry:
{"hour": 1, "minute": 10}
